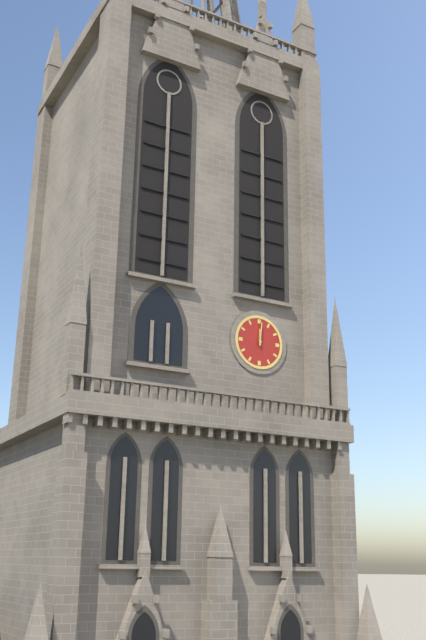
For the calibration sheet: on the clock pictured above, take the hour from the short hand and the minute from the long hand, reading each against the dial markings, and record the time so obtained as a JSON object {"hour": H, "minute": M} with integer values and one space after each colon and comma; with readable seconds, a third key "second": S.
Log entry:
{"hour": 12, "minute": 1}
